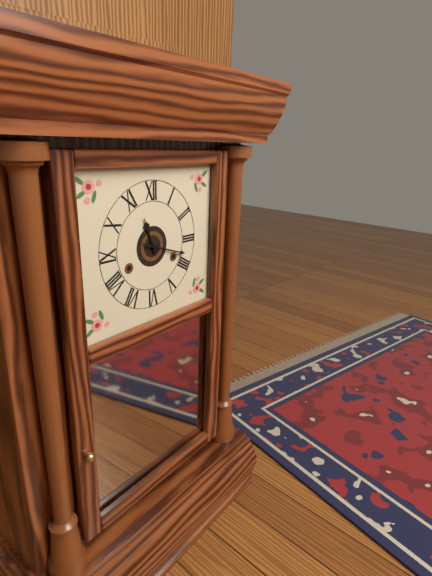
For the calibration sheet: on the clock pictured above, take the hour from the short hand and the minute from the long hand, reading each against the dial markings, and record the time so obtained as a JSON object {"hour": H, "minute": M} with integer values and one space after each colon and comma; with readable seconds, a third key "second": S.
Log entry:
{"hour": 11, "minute": 18}
